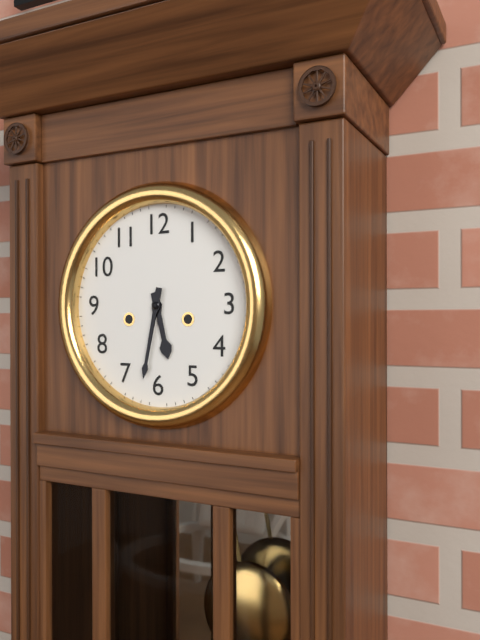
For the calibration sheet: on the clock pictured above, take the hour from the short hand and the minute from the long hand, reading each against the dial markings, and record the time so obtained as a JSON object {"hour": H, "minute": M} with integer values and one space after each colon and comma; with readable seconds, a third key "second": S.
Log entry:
{"hour": 5, "minute": 32}
